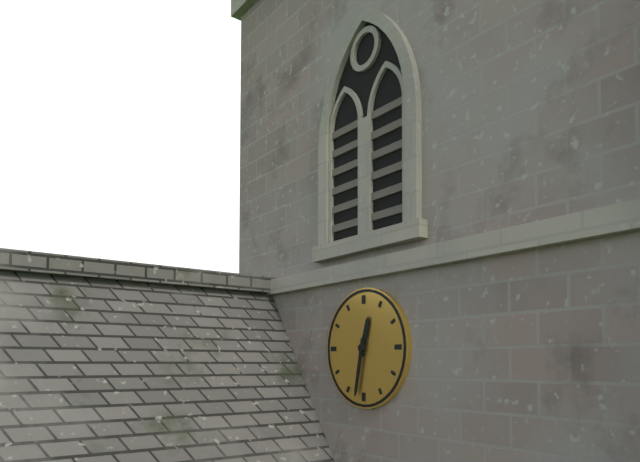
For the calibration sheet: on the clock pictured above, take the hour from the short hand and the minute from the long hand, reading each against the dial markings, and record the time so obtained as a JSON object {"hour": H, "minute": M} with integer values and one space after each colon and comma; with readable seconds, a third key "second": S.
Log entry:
{"hour": 12, "minute": 32}
